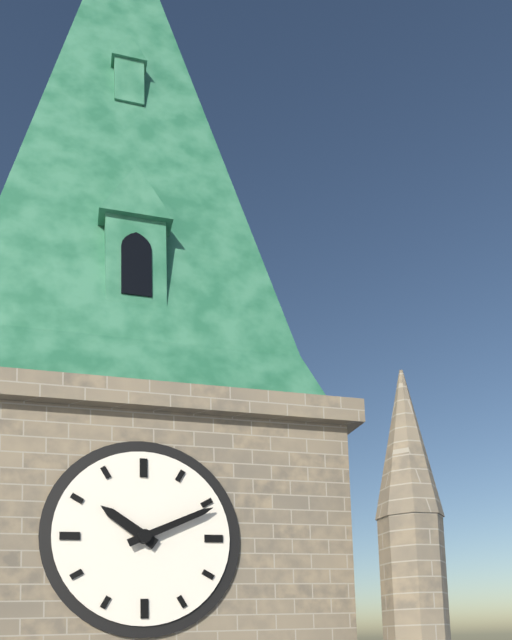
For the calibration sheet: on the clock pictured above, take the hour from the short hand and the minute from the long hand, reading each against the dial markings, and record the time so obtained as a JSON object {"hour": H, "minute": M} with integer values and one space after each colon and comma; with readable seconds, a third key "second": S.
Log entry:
{"hour": 10, "minute": 11}
